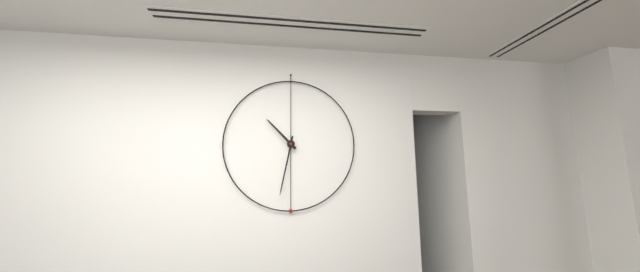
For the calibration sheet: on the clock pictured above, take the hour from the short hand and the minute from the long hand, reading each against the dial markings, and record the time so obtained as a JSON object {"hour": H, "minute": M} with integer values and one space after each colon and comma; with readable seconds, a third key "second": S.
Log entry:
{"hour": 10, "minute": 32}
